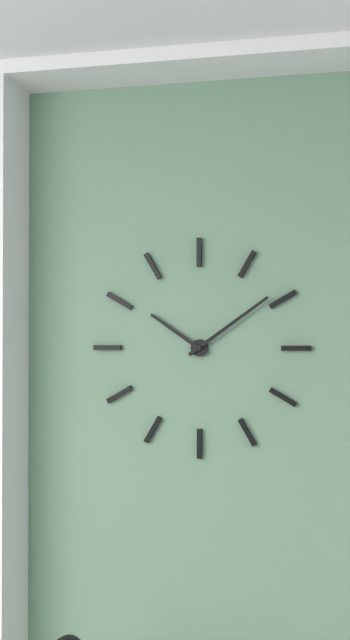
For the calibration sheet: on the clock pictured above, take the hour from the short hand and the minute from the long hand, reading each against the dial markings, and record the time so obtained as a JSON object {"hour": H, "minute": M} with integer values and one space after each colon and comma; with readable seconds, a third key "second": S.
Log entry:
{"hour": 10, "minute": 9}
